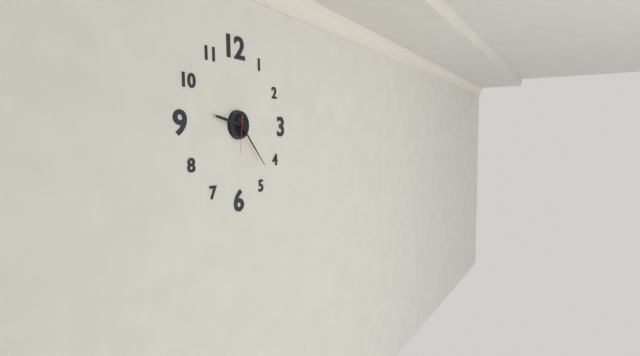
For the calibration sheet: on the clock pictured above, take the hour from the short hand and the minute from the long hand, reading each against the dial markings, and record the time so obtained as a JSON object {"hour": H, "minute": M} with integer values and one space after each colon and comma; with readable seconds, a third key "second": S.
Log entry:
{"hour": 9, "minute": 23}
